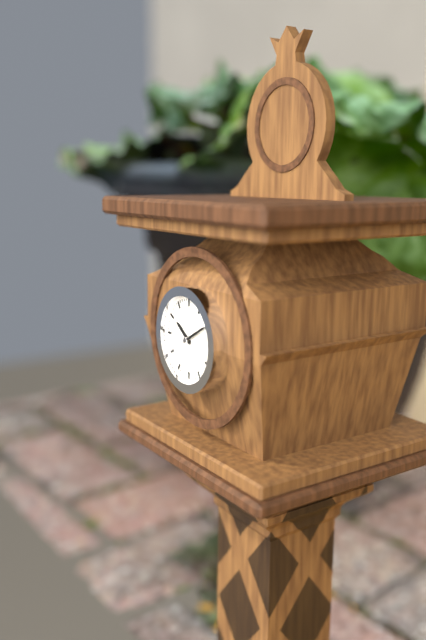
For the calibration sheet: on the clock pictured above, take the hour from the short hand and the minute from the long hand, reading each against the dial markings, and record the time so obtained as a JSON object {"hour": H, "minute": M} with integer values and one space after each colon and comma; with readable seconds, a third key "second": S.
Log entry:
{"hour": 10, "minute": 10}
